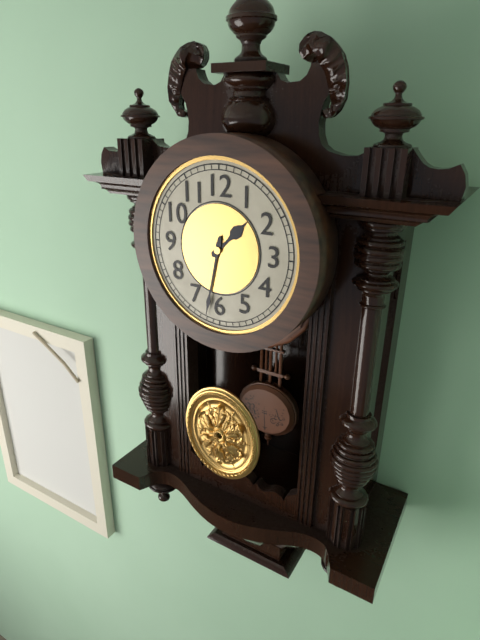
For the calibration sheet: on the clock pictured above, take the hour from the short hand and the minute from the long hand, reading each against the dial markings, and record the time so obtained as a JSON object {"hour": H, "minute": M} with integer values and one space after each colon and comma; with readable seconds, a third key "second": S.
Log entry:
{"hour": 1, "minute": 32}
